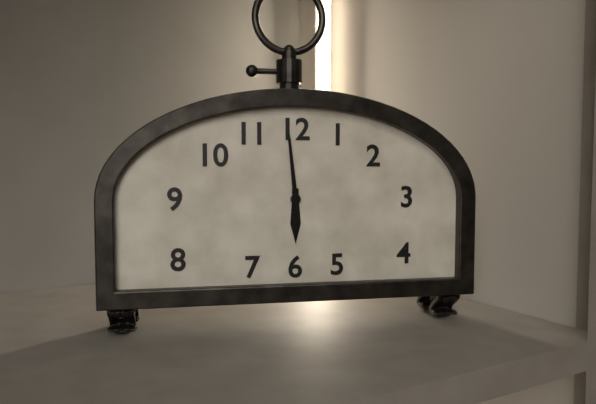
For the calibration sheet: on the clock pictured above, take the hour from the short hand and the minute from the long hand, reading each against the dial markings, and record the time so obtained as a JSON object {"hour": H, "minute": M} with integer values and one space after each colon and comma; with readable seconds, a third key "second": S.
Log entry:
{"hour": 5, "minute": 59}
